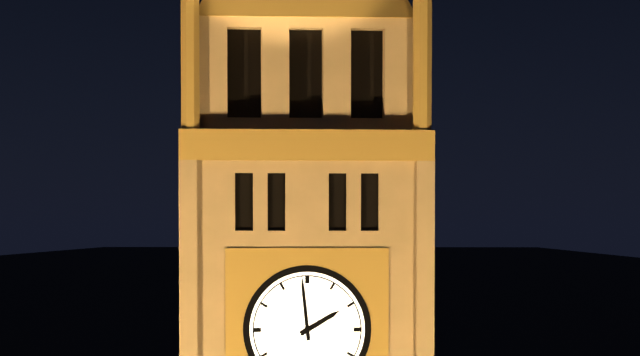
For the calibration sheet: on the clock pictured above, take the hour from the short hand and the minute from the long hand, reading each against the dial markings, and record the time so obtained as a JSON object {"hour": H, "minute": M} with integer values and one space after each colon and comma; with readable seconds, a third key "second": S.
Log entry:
{"hour": 1, "minute": 59}
